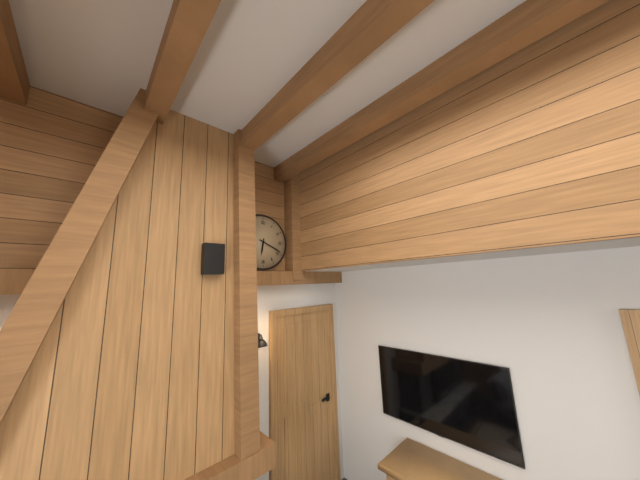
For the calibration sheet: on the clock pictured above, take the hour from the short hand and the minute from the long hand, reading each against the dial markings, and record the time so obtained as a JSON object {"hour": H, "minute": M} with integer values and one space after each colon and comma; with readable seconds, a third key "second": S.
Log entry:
{"hour": 6, "minute": 19}
